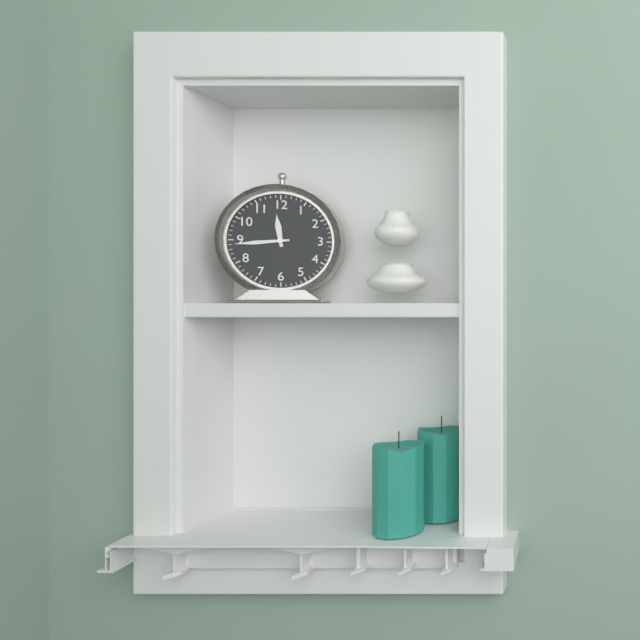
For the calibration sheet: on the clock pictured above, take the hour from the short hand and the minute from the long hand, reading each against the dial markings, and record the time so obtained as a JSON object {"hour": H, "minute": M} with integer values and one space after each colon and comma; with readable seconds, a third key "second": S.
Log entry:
{"hour": 11, "minute": 44}
